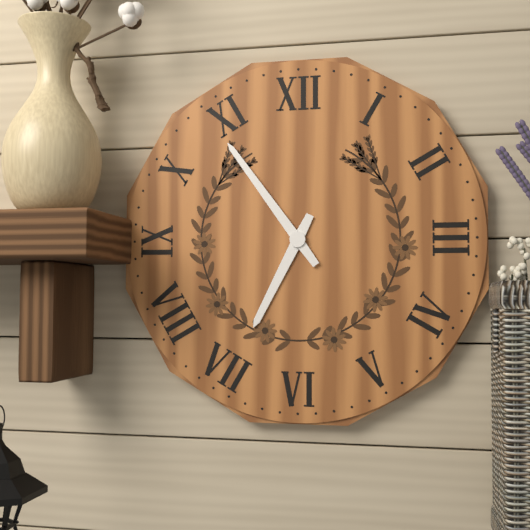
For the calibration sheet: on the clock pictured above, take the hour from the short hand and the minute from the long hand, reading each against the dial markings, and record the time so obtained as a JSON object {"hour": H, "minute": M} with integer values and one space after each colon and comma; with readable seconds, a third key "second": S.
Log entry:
{"hour": 6, "minute": 54}
